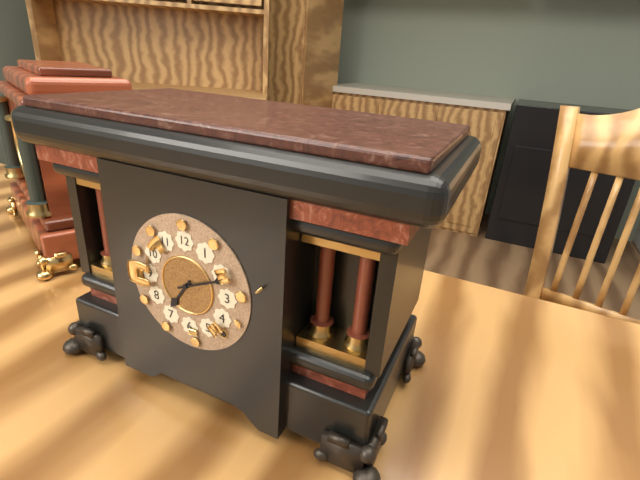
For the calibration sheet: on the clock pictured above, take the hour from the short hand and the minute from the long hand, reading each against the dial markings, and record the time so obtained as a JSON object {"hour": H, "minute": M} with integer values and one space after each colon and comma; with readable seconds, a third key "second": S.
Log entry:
{"hour": 7, "minute": 11}
